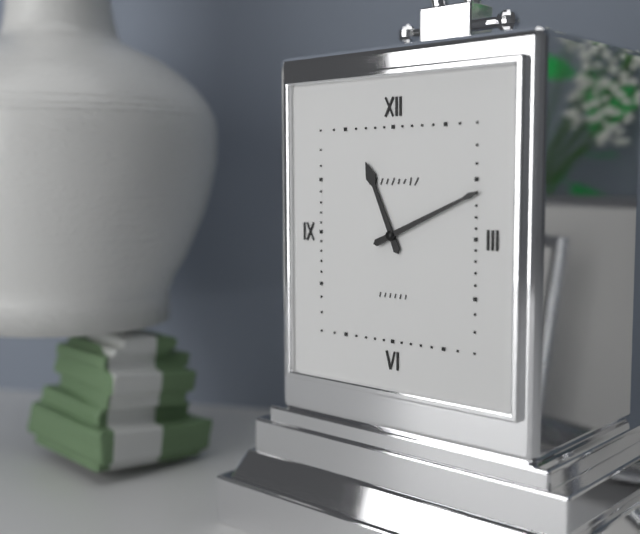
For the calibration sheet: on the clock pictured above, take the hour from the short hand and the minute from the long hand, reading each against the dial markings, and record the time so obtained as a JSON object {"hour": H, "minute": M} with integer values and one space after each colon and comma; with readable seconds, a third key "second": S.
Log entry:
{"hour": 11, "minute": 11}
